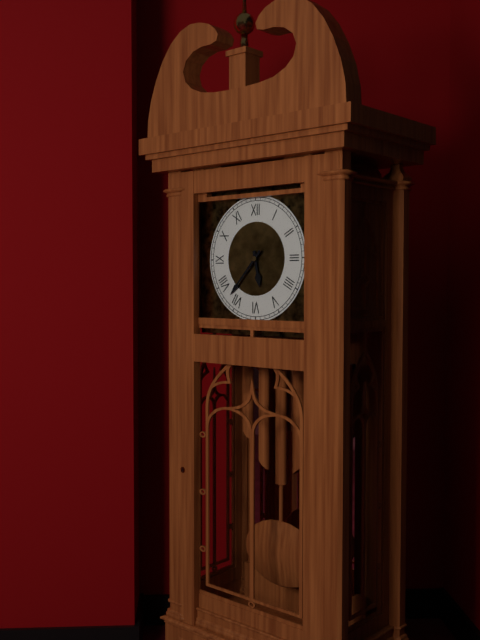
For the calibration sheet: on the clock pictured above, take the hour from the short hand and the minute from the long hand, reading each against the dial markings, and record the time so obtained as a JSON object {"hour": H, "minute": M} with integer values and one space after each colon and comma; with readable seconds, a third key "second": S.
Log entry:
{"hour": 5, "minute": 37}
